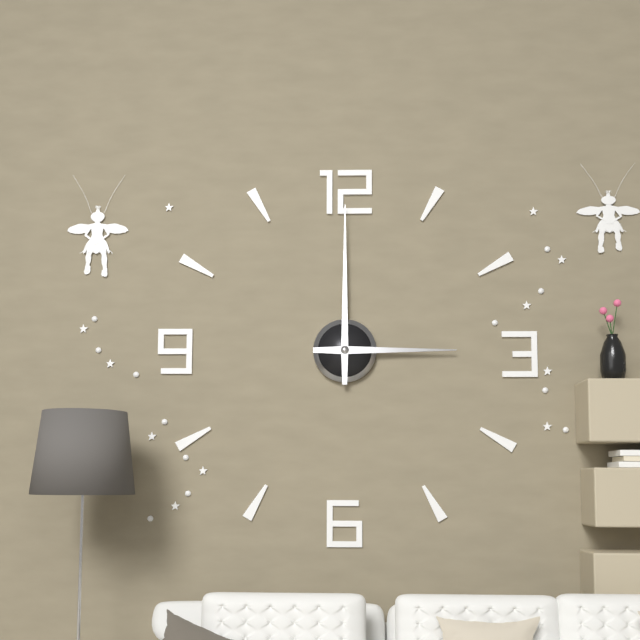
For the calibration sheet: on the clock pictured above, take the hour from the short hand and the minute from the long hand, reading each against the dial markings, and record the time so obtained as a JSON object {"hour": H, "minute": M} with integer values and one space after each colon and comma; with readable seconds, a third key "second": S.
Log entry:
{"hour": 3, "minute": 0}
